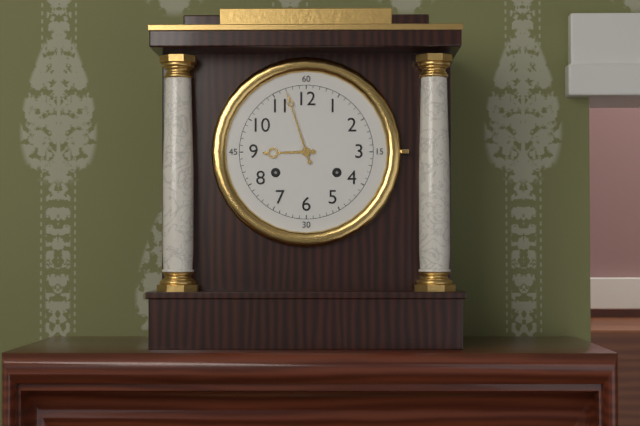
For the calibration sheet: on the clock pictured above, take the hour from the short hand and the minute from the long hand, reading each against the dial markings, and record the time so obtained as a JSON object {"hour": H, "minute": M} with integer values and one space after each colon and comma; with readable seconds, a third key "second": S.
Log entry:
{"hour": 8, "minute": 57}
